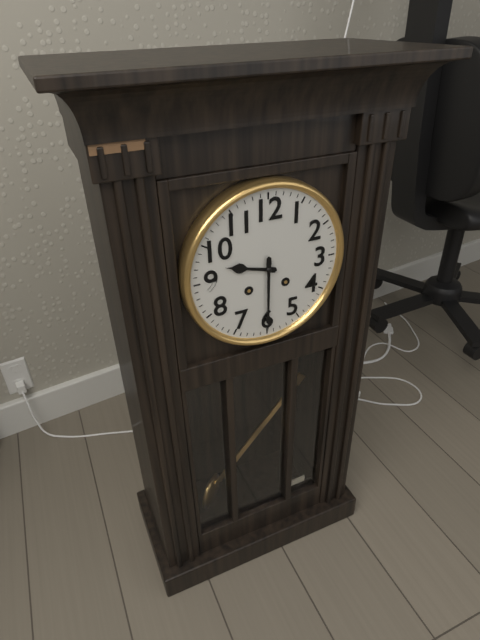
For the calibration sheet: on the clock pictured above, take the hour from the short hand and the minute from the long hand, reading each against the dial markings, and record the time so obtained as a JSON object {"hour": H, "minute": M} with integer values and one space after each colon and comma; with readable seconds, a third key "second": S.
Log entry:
{"hour": 9, "minute": 30}
